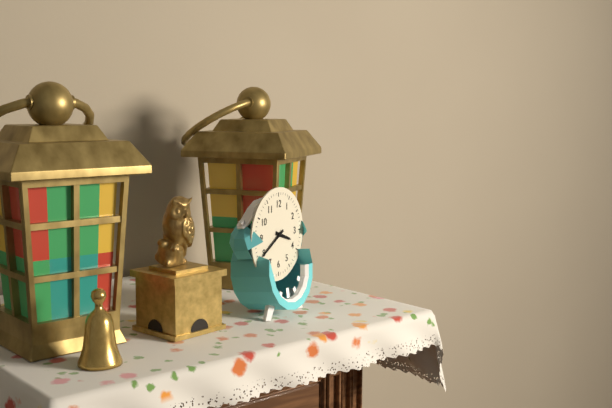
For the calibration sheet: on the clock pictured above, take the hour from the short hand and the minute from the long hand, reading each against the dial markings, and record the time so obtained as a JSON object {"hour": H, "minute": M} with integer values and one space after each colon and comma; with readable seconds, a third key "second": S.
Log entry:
{"hour": 3, "minute": 40}
